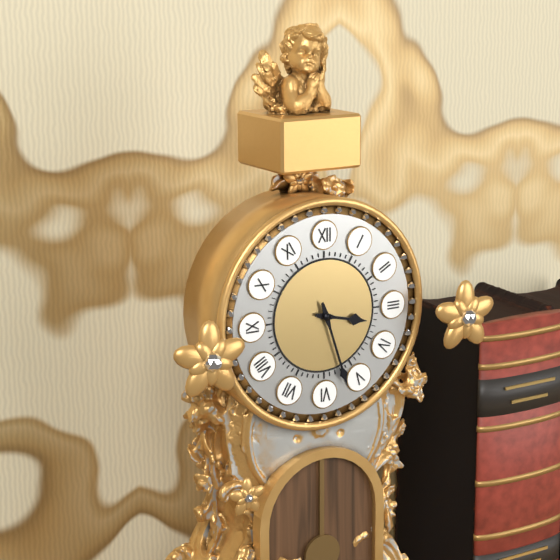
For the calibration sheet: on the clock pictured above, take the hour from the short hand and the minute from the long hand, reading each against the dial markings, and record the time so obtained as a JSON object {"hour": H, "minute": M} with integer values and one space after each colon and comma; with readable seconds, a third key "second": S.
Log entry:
{"hour": 3, "minute": 27}
